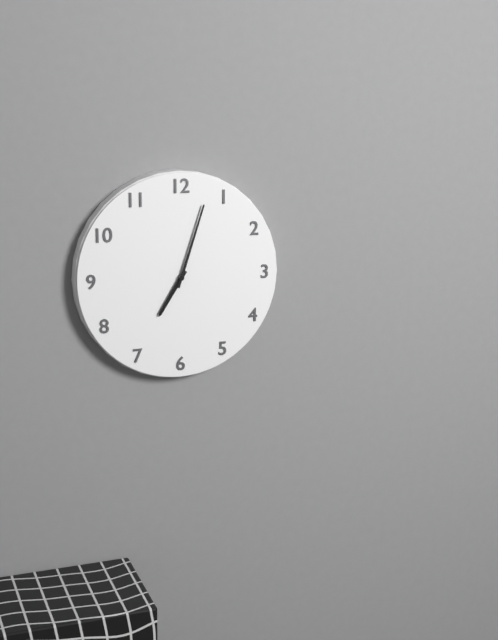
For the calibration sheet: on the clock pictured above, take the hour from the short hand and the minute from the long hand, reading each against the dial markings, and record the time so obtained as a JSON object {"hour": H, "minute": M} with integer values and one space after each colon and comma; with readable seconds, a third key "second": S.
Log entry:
{"hour": 7, "minute": 3}
